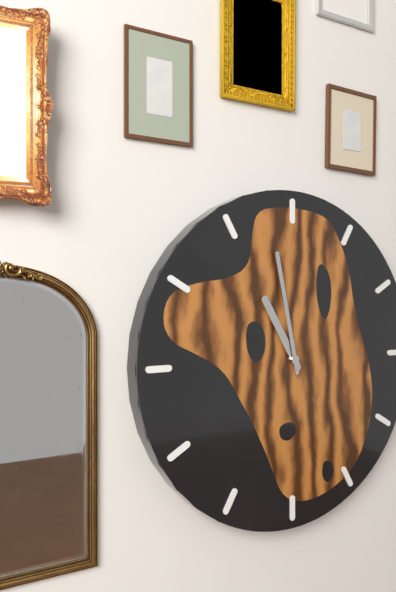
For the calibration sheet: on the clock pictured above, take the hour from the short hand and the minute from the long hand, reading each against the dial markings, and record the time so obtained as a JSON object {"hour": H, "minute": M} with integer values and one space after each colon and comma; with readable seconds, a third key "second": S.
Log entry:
{"hour": 10, "minute": 58}
